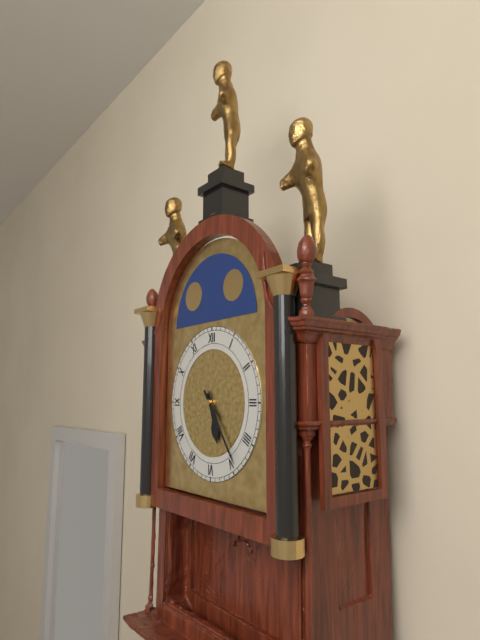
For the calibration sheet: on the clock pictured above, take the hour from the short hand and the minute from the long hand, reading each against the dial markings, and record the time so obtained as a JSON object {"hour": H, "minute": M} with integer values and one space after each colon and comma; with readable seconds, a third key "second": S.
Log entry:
{"hour": 5, "minute": 24}
